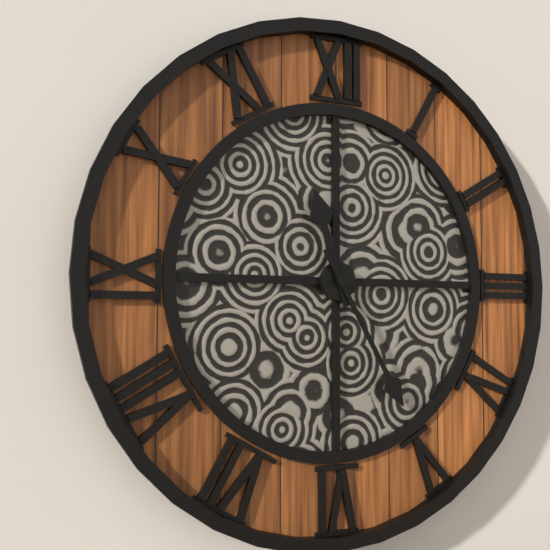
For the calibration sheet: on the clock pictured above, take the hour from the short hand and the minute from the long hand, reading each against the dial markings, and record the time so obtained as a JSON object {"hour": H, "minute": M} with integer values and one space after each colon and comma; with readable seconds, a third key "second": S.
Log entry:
{"hour": 11, "minute": 25}
